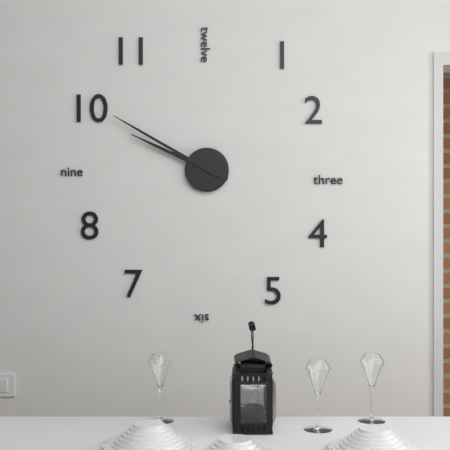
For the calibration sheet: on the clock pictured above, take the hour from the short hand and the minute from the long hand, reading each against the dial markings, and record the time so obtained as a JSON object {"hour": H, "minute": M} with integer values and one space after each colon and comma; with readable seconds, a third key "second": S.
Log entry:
{"hour": 9, "minute": 50}
